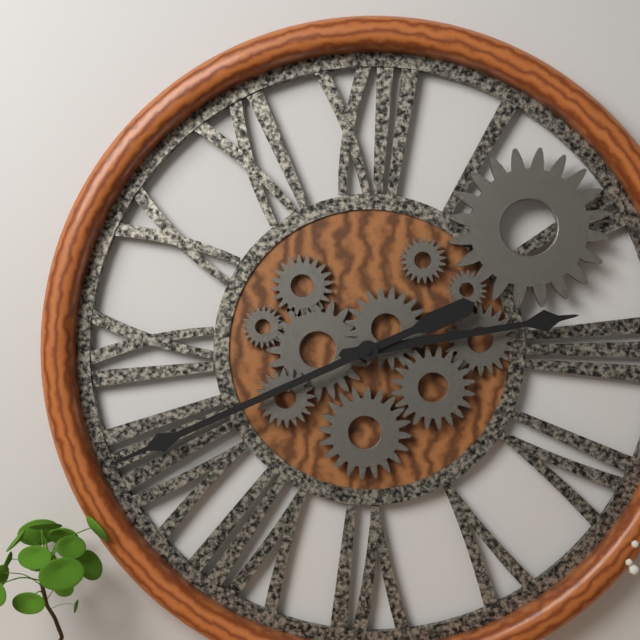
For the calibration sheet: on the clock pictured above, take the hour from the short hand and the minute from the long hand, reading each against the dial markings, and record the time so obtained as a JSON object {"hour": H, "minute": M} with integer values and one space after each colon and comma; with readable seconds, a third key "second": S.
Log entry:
{"hour": 2, "minute": 41}
